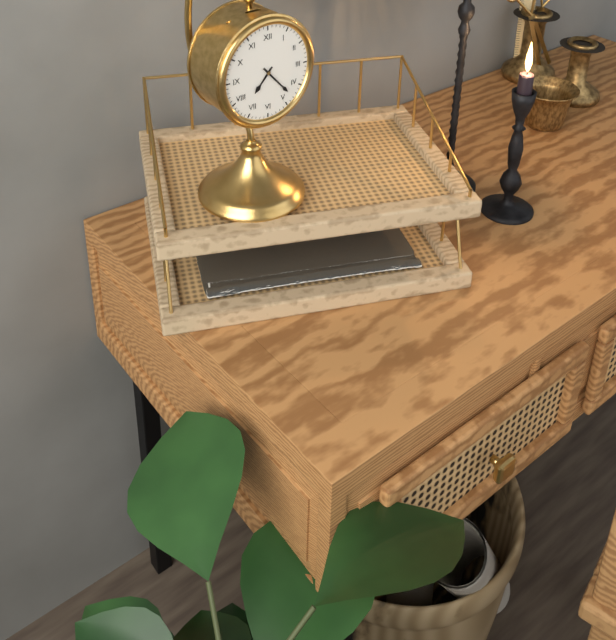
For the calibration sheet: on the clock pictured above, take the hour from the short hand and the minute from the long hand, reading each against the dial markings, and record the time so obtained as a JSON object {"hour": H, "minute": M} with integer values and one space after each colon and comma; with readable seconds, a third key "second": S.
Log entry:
{"hour": 7, "minute": 23}
